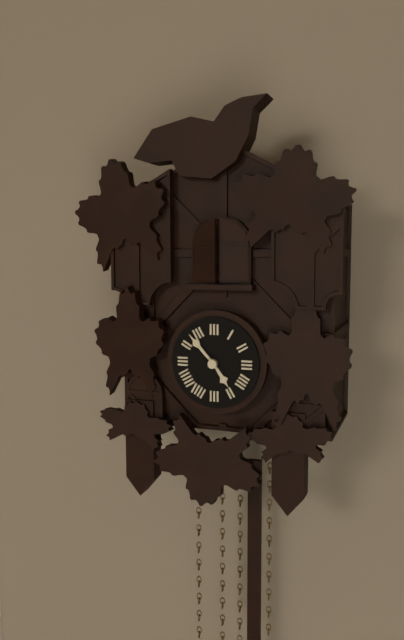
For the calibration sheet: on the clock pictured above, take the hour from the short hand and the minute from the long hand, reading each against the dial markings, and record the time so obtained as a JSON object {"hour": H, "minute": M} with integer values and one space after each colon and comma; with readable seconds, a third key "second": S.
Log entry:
{"hour": 4, "minute": 53}
